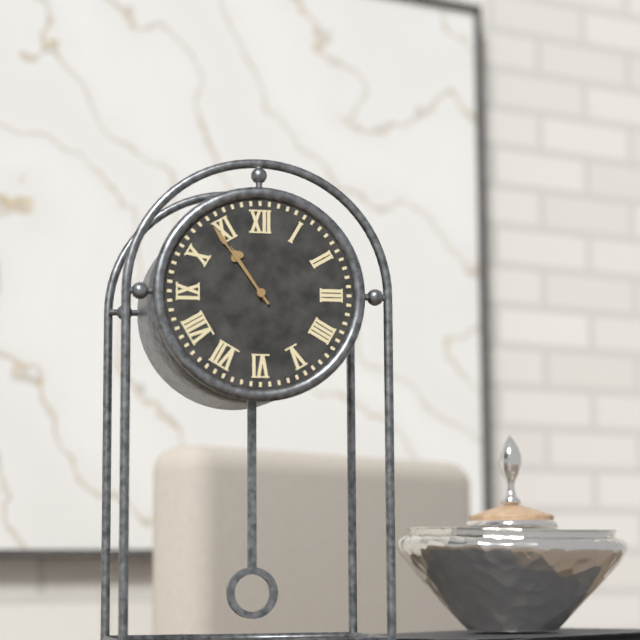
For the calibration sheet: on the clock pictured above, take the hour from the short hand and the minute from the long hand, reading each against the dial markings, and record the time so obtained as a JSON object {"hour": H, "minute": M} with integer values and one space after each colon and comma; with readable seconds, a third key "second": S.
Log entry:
{"hour": 10, "minute": 54}
